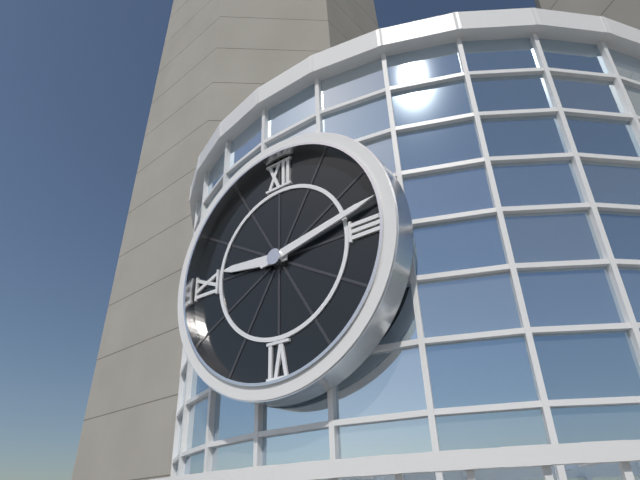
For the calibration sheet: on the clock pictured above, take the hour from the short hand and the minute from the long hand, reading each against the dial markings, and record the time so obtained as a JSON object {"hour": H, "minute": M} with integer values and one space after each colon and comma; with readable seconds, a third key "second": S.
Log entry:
{"hour": 9, "minute": 13}
